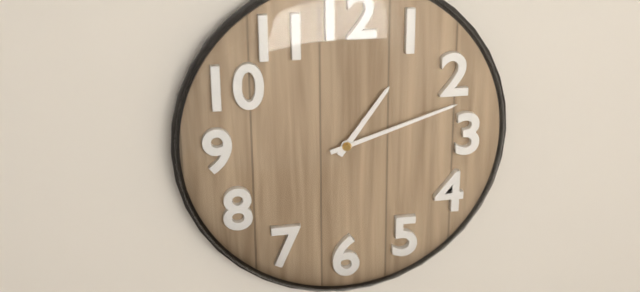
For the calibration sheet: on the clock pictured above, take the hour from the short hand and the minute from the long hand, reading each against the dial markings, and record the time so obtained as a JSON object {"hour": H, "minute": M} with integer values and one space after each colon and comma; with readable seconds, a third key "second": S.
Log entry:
{"hour": 1, "minute": 12}
